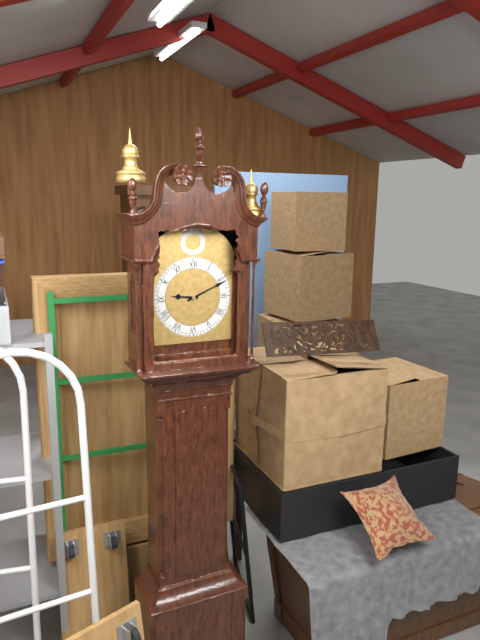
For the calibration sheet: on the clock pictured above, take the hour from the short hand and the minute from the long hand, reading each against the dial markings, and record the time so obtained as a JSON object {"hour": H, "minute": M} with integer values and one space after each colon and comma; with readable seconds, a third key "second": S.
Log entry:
{"hour": 9, "minute": 11}
